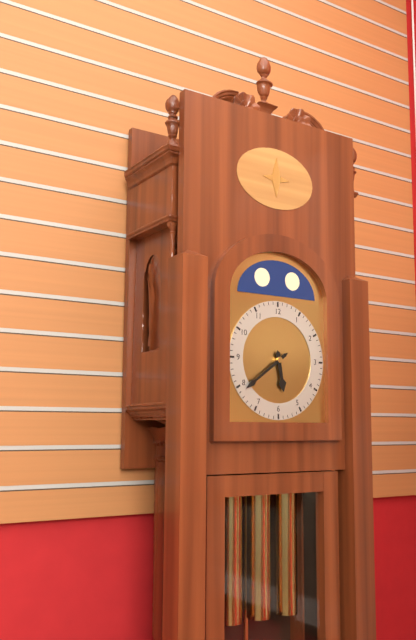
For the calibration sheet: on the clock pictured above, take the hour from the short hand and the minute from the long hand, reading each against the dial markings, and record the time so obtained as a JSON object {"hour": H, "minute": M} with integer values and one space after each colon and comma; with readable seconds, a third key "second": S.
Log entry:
{"hour": 5, "minute": 39}
